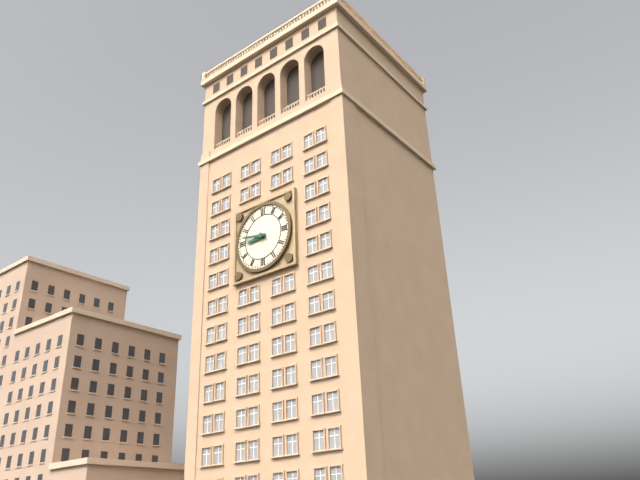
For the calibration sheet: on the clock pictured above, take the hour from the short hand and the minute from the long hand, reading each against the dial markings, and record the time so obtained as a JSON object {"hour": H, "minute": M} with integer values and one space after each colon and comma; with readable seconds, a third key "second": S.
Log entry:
{"hour": 8, "minute": 47}
